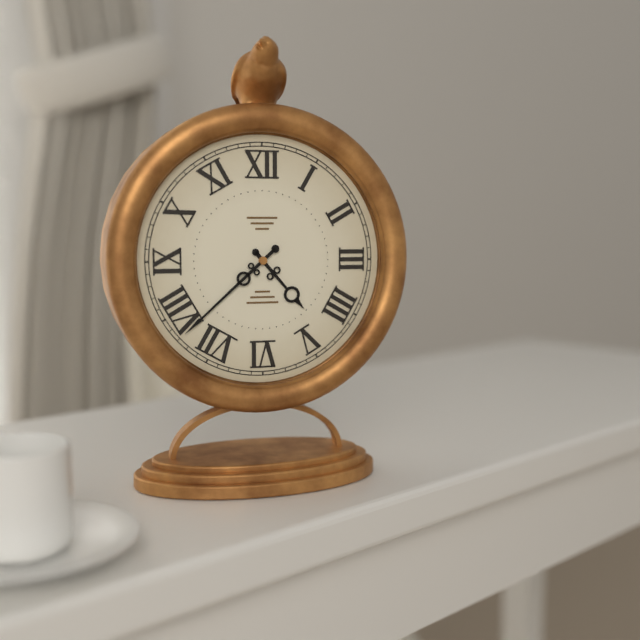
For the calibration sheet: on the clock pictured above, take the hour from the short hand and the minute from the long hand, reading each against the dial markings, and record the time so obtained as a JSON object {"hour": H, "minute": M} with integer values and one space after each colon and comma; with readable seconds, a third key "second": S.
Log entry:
{"hour": 4, "minute": 38}
